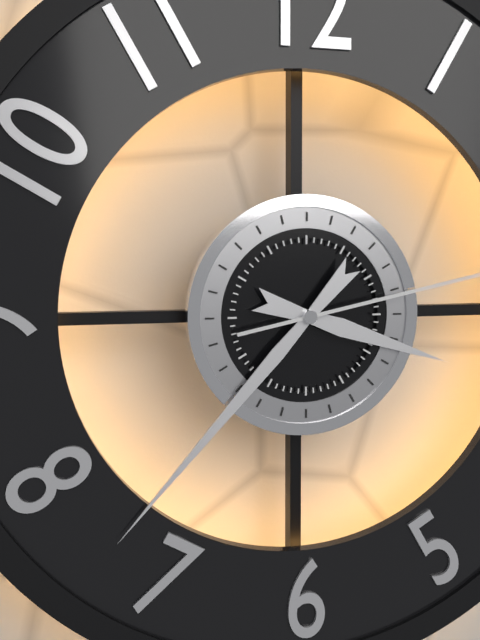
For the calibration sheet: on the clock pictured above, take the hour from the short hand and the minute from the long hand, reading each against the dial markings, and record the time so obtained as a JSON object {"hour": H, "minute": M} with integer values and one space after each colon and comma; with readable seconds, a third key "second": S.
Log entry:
{"hour": 3, "minute": 37}
